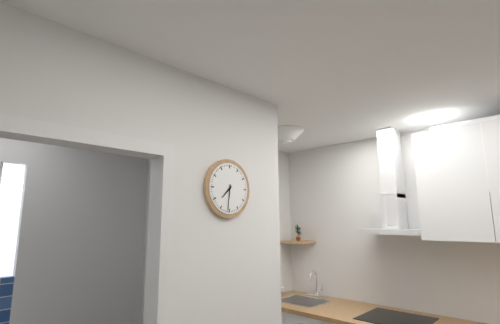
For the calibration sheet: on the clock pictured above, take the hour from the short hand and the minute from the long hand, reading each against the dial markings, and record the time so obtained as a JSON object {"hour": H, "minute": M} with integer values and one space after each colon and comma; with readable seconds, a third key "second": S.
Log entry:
{"hour": 7, "minute": 31}
